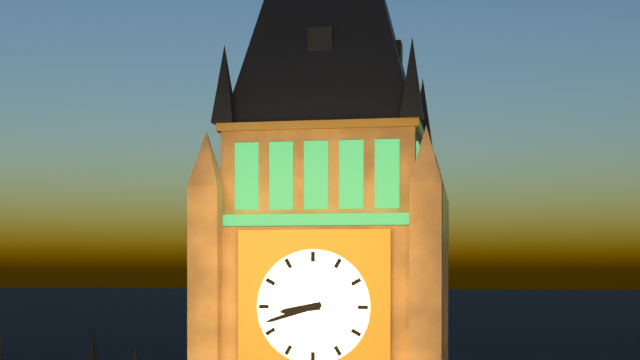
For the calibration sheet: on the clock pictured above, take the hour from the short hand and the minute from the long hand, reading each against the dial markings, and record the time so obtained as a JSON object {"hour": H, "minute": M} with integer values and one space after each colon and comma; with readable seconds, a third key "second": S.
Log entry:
{"hour": 8, "minute": 42}
